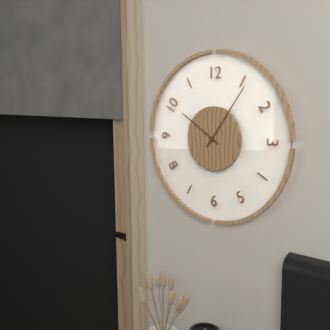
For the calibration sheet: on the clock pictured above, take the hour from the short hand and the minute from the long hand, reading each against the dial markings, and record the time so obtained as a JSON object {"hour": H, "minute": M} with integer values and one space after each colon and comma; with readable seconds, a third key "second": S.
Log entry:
{"hour": 10, "minute": 6}
